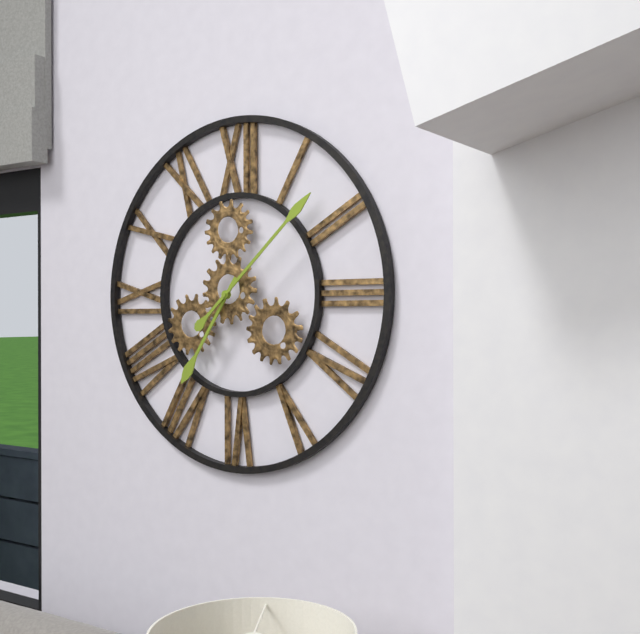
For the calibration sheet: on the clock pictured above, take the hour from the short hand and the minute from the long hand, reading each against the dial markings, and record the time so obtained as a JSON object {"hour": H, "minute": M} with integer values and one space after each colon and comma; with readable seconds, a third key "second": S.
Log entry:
{"hour": 7, "minute": 8}
